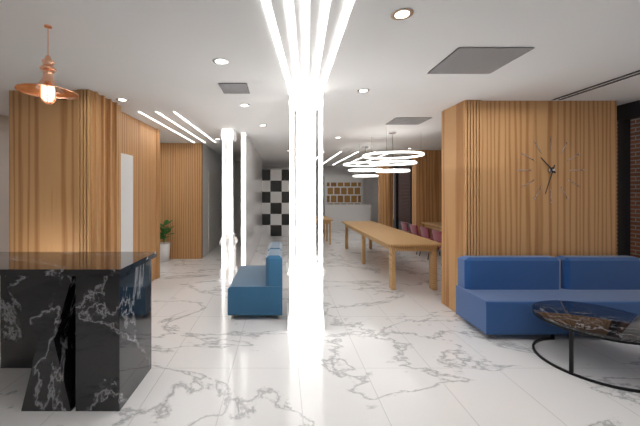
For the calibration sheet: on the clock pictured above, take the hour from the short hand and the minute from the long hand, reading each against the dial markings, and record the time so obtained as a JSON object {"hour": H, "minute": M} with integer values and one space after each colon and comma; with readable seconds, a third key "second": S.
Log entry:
{"hour": 10, "minute": 33}
